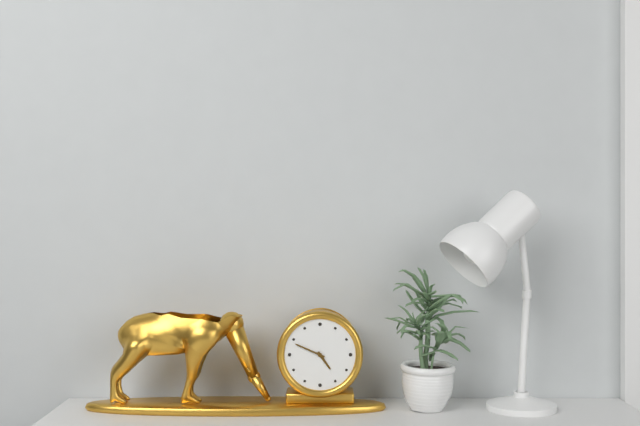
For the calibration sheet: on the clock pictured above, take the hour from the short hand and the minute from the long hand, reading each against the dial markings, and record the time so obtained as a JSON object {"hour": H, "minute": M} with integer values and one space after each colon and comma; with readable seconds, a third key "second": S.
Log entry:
{"hour": 4, "minute": 49}
